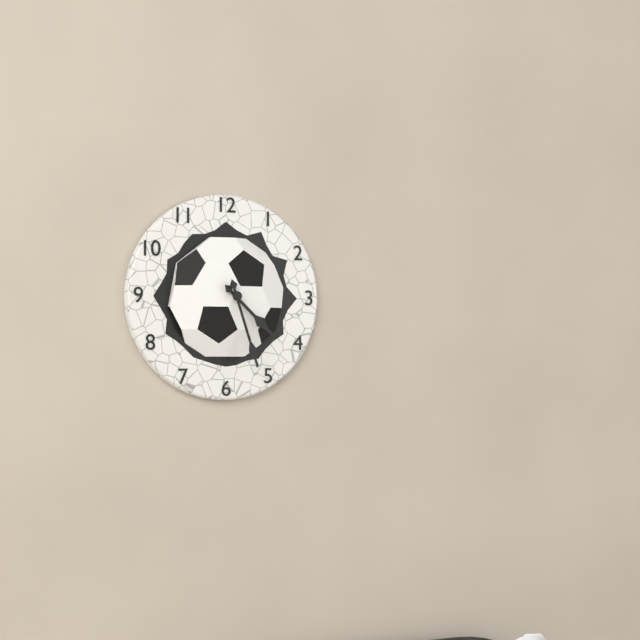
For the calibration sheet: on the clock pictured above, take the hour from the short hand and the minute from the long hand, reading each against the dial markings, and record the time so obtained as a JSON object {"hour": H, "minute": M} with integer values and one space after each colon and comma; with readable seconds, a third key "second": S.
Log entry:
{"hour": 4, "minute": 27}
